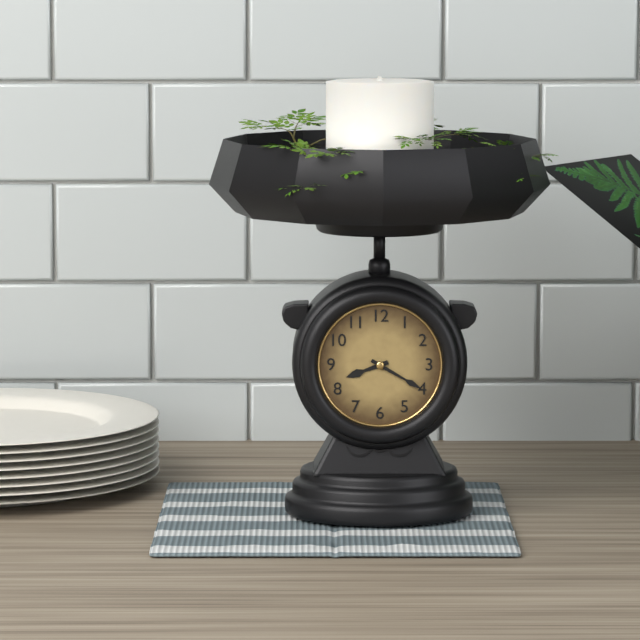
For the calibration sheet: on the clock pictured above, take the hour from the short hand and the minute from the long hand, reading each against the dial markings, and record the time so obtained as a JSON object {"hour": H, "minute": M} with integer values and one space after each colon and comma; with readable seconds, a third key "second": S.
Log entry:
{"hour": 8, "minute": 20}
